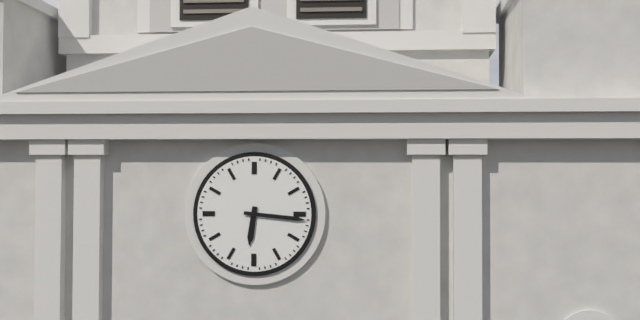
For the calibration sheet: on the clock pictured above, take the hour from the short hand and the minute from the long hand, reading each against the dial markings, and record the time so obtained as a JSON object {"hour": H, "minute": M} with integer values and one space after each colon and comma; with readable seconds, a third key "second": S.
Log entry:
{"hour": 6, "minute": 16}
